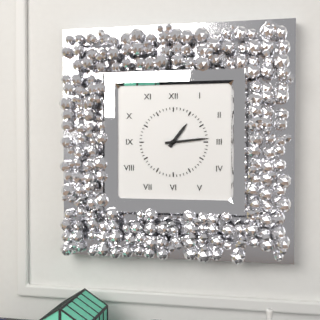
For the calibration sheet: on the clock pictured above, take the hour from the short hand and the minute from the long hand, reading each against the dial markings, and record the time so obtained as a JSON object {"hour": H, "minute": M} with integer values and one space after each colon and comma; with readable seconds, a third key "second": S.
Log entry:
{"hour": 1, "minute": 14}
